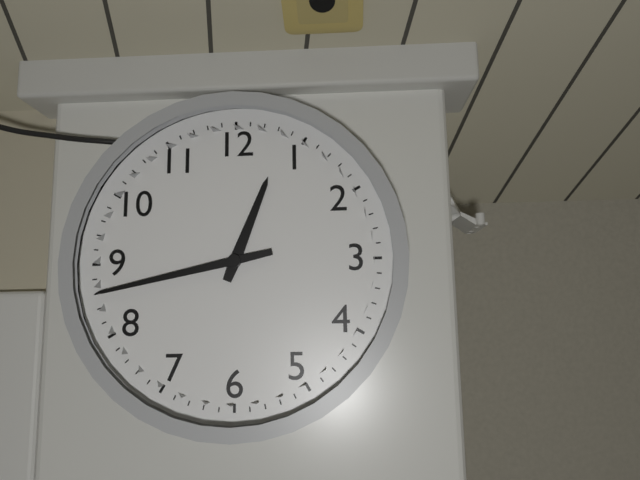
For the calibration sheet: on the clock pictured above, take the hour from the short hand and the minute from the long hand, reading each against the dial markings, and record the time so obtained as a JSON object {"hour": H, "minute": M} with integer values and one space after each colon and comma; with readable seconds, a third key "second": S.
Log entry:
{"hour": 12, "minute": 43}
